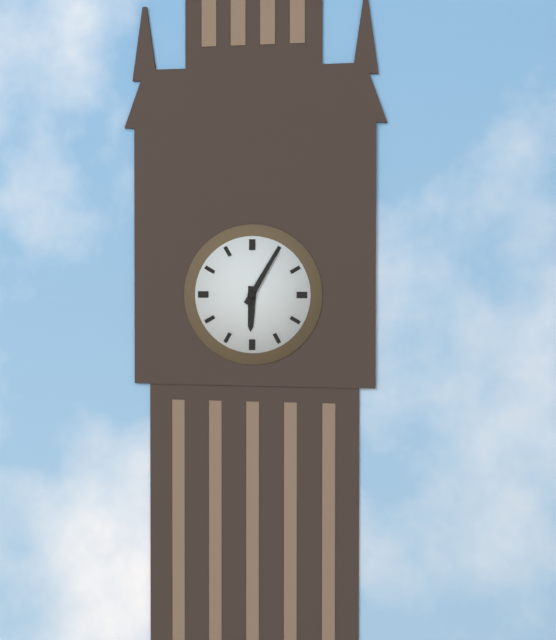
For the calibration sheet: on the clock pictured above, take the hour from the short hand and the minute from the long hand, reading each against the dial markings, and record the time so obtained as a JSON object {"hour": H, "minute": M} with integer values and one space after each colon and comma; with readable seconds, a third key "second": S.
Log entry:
{"hour": 6, "minute": 5}
